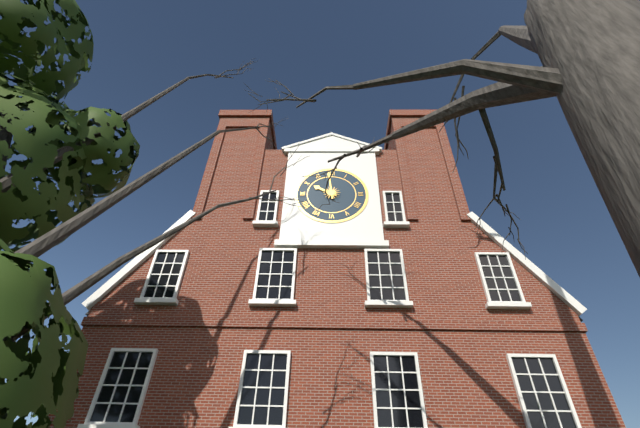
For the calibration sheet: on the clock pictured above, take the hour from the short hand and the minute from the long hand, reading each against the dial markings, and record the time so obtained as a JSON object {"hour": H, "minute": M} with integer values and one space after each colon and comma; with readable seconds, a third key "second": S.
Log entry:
{"hour": 9, "minute": 59}
